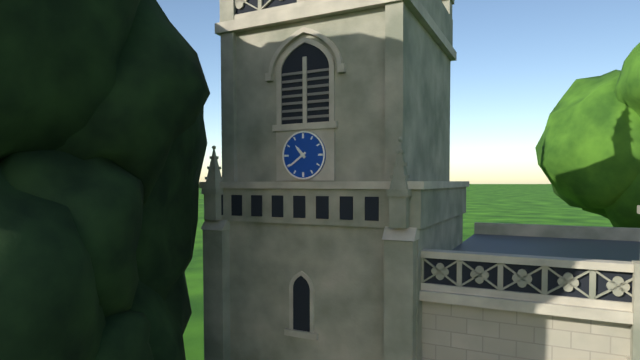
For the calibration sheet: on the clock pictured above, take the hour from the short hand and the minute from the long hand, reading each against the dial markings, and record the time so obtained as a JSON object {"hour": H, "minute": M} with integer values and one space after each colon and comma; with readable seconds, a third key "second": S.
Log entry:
{"hour": 10, "minute": 39}
